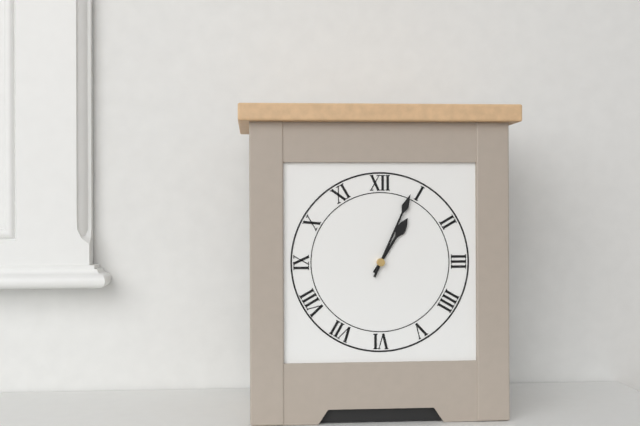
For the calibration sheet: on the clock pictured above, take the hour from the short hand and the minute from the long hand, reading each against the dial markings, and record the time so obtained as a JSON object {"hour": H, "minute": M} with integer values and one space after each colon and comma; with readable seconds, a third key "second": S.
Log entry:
{"hour": 1, "minute": 4}
